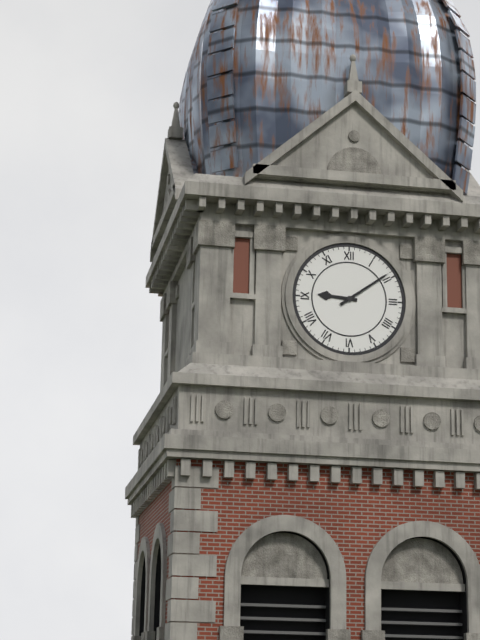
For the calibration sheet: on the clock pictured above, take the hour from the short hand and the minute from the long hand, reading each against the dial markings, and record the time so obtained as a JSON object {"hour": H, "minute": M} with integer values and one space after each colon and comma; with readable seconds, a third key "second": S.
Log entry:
{"hour": 9, "minute": 9}
